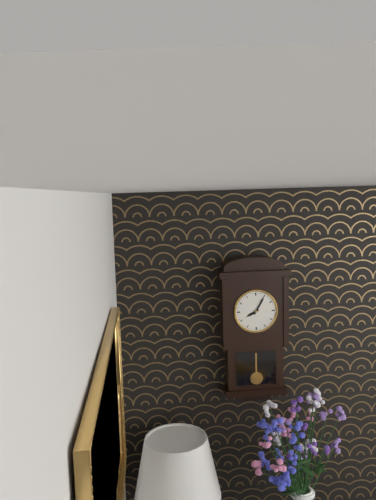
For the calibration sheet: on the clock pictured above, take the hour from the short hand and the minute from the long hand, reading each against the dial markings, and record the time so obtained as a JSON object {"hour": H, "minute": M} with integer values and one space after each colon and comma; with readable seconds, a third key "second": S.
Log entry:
{"hour": 8, "minute": 5}
